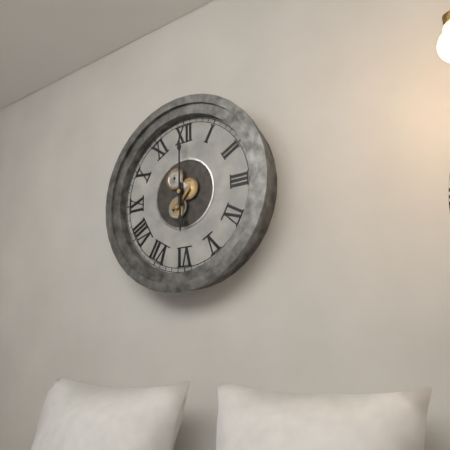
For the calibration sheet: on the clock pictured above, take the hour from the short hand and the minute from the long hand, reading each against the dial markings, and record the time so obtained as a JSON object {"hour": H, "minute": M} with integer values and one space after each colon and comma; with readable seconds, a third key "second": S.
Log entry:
{"hour": 6, "minute": 0}
